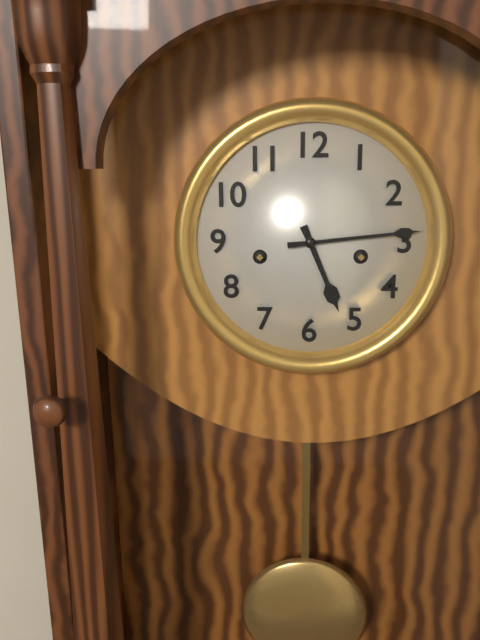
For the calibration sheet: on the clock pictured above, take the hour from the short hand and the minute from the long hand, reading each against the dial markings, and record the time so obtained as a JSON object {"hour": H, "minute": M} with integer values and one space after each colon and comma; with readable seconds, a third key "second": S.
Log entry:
{"hour": 5, "minute": 14}
